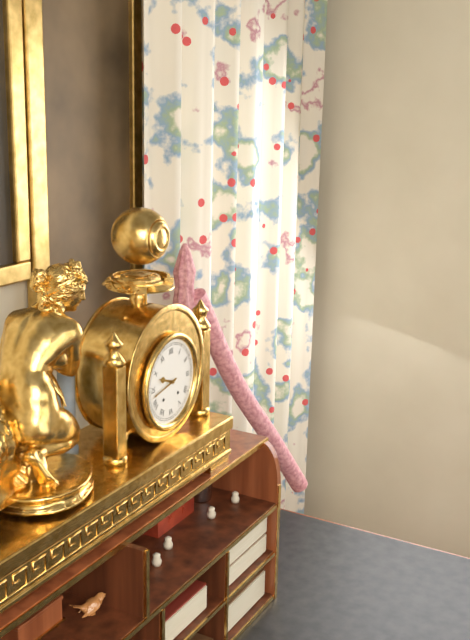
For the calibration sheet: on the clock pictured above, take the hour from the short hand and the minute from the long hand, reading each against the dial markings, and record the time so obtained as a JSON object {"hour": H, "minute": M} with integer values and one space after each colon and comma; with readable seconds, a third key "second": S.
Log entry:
{"hour": 9, "minute": 43}
